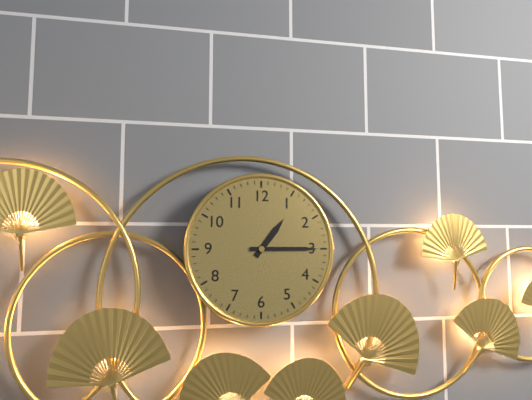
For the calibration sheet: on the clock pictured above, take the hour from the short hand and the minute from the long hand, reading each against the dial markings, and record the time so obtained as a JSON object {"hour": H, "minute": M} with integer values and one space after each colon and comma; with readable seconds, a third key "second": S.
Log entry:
{"hour": 1, "minute": 15}
